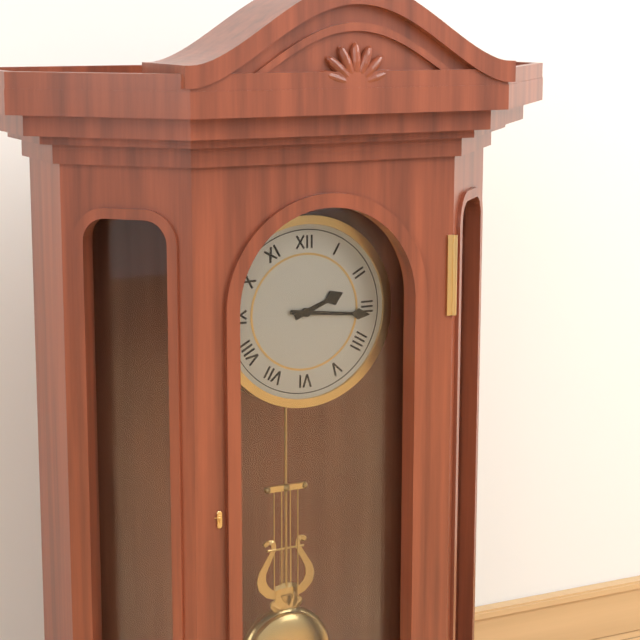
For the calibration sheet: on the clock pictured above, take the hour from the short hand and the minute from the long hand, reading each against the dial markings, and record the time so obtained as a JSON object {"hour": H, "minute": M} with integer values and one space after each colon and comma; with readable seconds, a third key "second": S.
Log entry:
{"hour": 2, "minute": 16}
